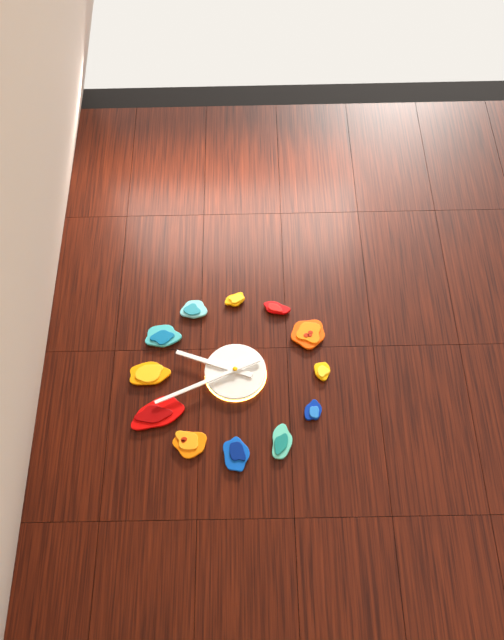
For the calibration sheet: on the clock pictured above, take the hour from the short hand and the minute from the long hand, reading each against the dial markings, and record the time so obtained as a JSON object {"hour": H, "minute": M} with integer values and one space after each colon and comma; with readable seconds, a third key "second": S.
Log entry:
{"hour": 9, "minute": 41}
